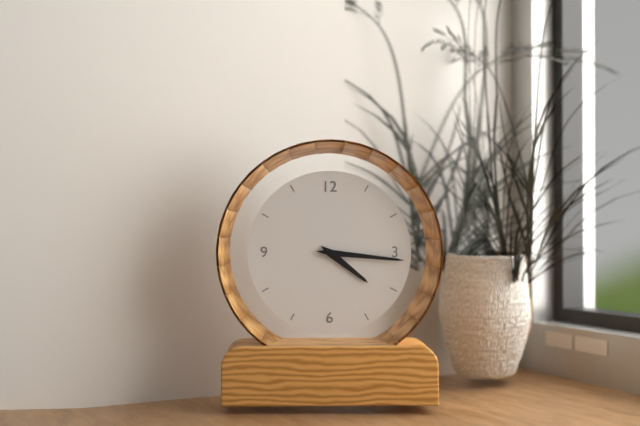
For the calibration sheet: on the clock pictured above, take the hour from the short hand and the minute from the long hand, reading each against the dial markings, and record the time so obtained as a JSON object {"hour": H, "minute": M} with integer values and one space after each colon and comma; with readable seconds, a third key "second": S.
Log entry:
{"hour": 4, "minute": 16}
